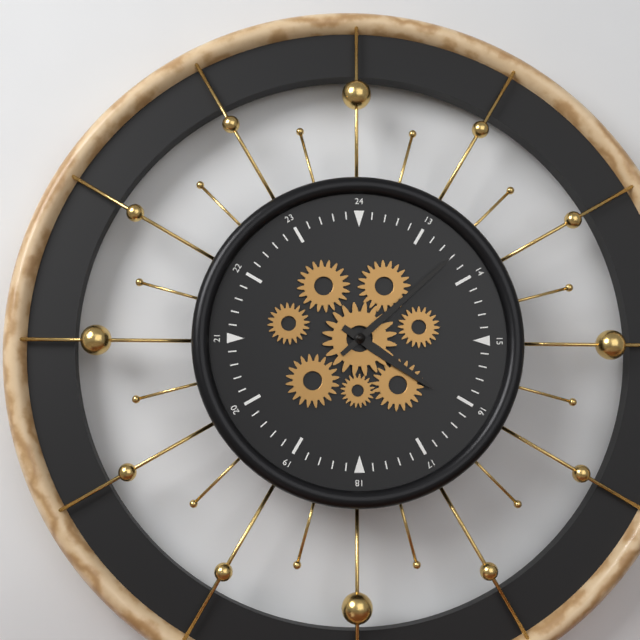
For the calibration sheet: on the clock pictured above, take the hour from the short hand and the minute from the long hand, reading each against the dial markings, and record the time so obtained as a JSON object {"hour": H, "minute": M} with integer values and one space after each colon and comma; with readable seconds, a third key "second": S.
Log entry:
{"hour": 4, "minute": 8}
